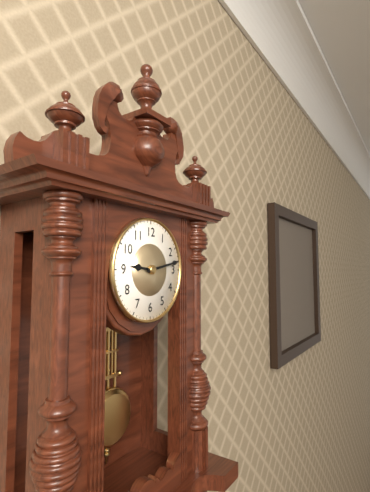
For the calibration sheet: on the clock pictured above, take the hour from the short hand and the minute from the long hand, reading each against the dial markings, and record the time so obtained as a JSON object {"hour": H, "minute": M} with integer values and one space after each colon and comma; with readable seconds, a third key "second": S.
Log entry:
{"hour": 9, "minute": 13}
